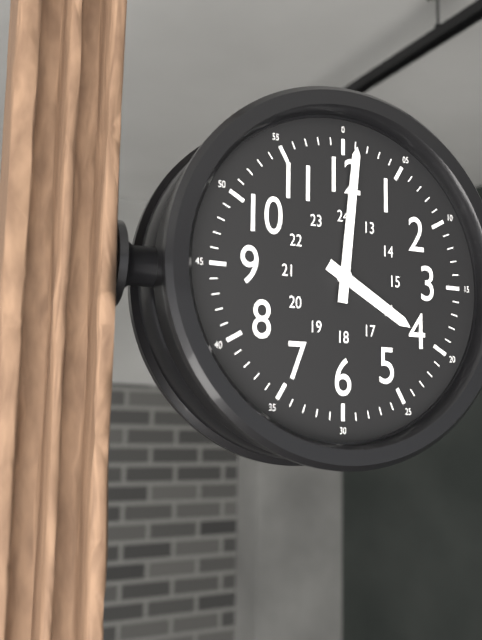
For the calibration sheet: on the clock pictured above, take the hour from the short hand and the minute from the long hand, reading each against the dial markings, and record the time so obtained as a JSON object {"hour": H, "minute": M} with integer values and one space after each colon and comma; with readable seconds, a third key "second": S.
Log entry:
{"hour": 4, "minute": 1}
